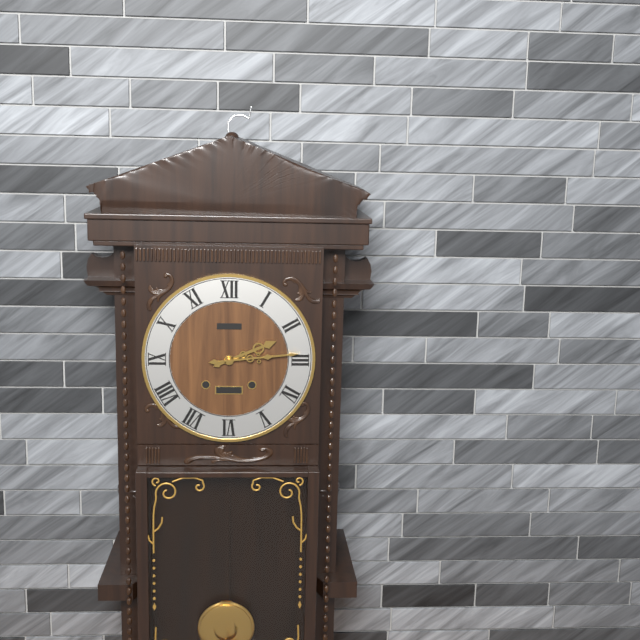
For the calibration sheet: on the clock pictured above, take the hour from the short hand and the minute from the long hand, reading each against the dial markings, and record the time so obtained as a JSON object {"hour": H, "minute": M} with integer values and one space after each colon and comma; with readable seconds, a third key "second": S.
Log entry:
{"hour": 2, "minute": 14}
